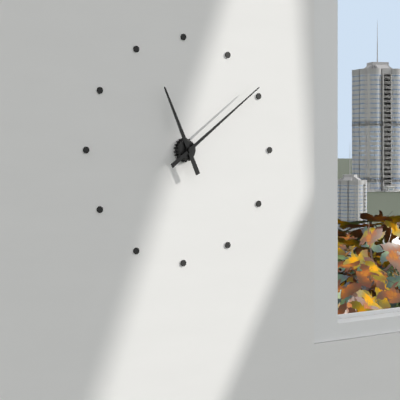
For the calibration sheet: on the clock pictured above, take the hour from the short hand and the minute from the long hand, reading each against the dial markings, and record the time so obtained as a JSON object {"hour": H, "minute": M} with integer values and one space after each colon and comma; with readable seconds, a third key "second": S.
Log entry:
{"hour": 11, "minute": 9}
